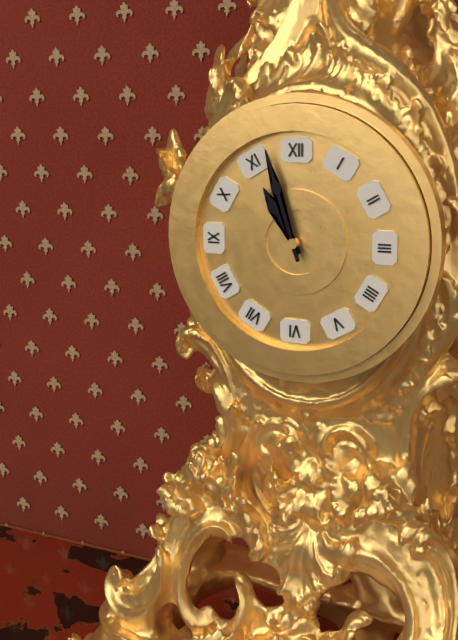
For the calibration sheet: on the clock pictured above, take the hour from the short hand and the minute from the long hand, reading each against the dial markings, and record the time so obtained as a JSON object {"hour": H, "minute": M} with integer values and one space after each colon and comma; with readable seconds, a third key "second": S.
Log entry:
{"hour": 10, "minute": 57}
